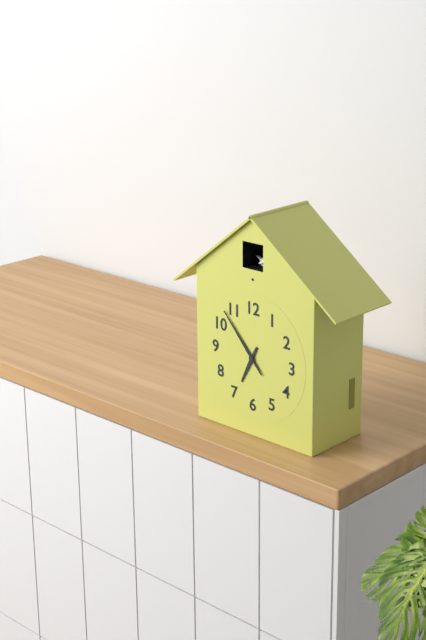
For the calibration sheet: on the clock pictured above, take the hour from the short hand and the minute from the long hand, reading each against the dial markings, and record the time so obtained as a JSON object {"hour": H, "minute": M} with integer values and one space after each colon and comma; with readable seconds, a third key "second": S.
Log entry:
{"hour": 6, "minute": 53}
